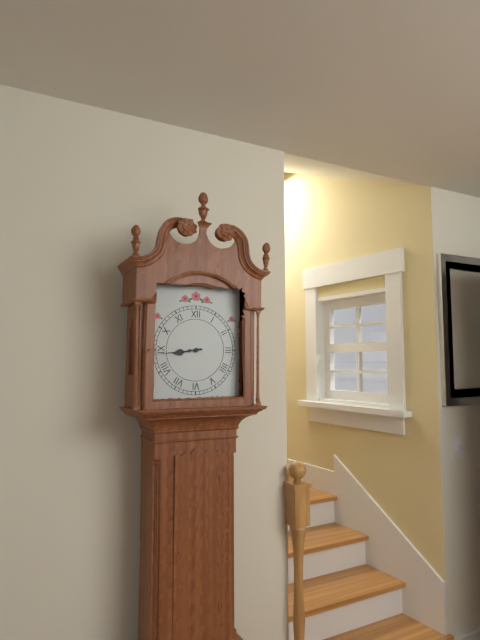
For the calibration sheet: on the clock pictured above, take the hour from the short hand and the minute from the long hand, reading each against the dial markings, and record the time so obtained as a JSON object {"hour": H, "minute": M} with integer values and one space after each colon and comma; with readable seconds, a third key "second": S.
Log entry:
{"hour": 8, "minute": 44}
